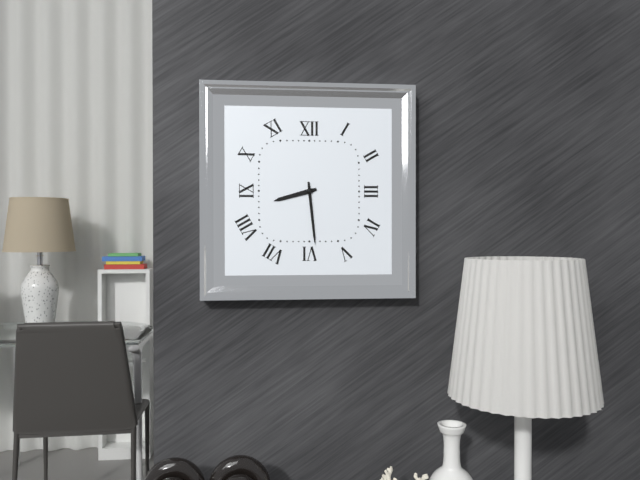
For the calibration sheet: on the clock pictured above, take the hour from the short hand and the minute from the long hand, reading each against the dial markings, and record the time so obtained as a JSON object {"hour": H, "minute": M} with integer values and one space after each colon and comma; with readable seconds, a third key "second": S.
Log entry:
{"hour": 8, "minute": 29}
